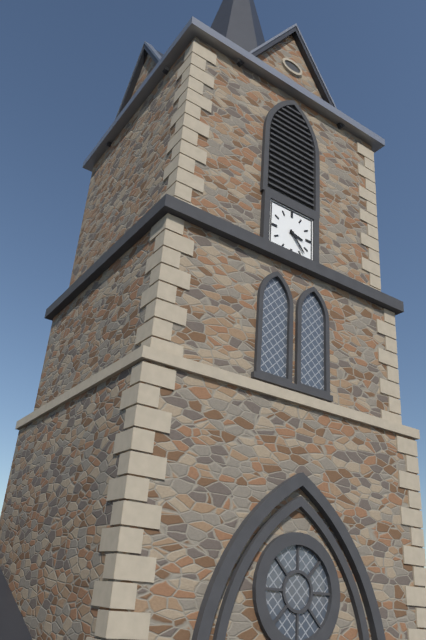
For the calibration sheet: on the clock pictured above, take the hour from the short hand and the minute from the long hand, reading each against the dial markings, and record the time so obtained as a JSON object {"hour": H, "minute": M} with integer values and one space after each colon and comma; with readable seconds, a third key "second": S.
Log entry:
{"hour": 3, "minute": 23}
